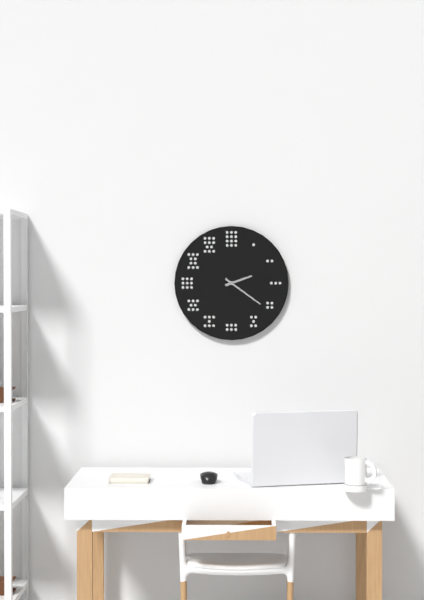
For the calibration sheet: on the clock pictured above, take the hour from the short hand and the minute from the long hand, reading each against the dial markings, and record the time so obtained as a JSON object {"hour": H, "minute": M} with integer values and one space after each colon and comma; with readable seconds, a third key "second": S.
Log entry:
{"hour": 2, "minute": 21}
